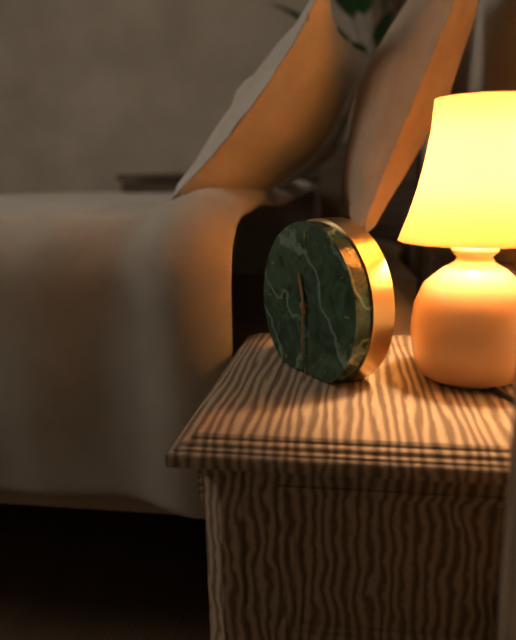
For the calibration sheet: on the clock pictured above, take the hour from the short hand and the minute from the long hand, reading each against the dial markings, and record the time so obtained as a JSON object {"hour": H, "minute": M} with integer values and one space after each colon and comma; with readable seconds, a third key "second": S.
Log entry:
{"hour": 11, "minute": 30}
